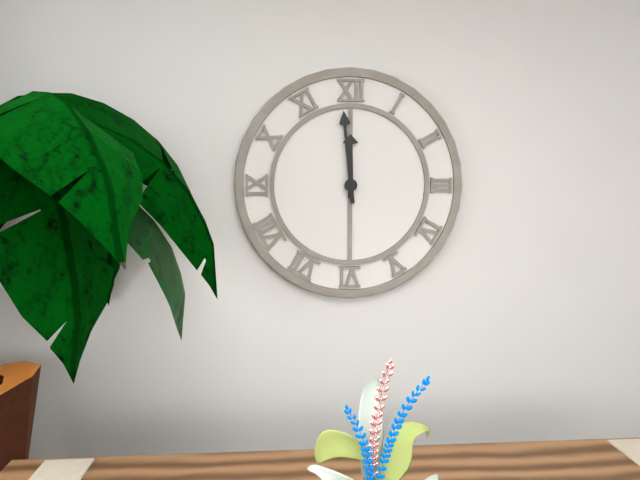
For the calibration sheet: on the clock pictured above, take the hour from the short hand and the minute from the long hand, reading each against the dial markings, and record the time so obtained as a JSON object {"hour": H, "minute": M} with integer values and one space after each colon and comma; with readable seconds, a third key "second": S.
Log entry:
{"hour": 11, "minute": 59}
